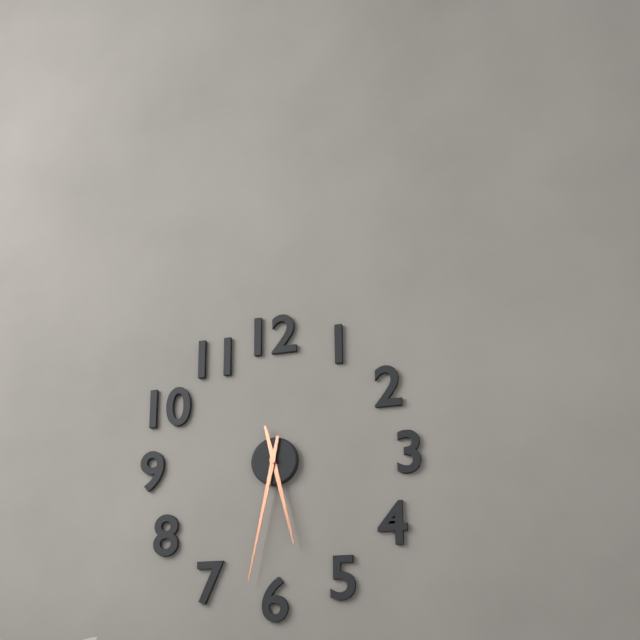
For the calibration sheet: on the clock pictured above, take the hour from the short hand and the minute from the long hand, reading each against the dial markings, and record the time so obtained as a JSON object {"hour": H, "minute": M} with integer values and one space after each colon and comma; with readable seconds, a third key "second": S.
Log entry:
{"hour": 5, "minute": 32}
